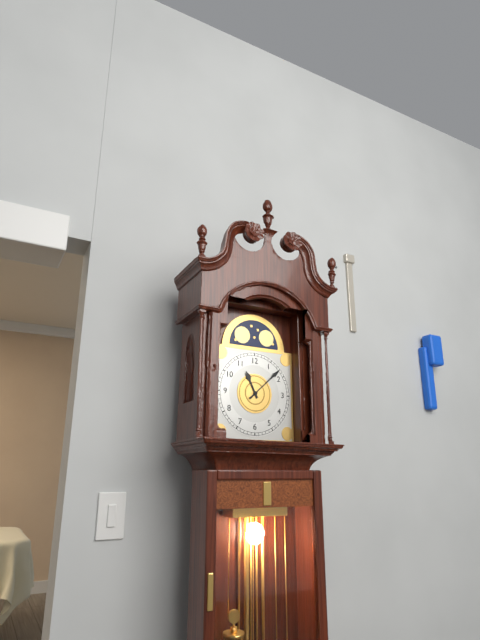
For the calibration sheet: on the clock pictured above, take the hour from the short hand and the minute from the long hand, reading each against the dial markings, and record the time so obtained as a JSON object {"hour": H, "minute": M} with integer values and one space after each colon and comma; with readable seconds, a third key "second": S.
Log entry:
{"hour": 11, "minute": 8}
